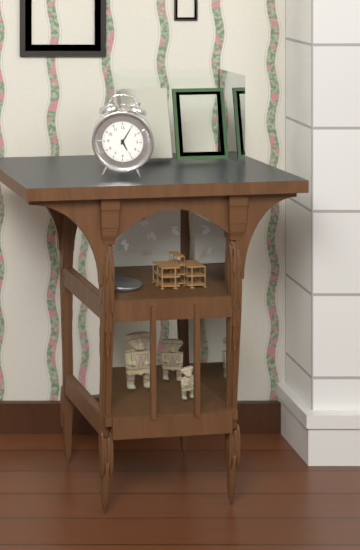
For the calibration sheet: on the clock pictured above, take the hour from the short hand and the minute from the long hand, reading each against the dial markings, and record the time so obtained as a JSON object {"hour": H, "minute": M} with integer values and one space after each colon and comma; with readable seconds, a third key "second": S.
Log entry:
{"hour": 5, "minute": 5}
